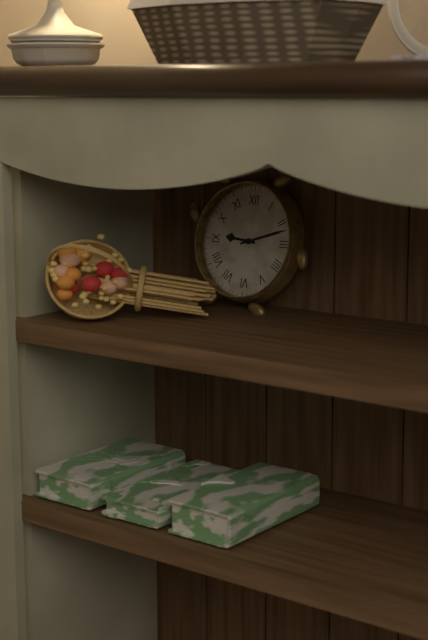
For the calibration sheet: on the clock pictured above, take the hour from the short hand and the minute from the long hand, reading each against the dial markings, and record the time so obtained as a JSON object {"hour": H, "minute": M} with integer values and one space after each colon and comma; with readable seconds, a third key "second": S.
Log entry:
{"hour": 9, "minute": 12}
